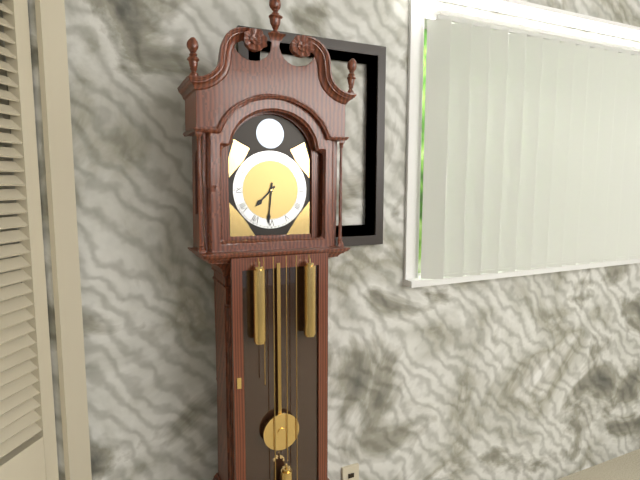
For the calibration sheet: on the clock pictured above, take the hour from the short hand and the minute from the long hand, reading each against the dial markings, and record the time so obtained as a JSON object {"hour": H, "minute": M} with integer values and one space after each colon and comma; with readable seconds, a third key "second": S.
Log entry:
{"hour": 7, "minute": 31}
